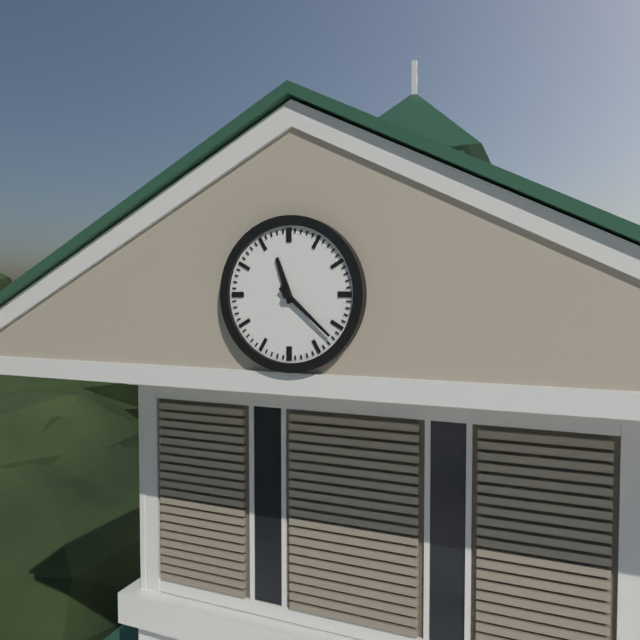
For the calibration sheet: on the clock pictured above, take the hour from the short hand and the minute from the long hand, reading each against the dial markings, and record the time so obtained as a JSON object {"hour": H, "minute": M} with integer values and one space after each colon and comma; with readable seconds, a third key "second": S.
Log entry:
{"hour": 11, "minute": 22}
